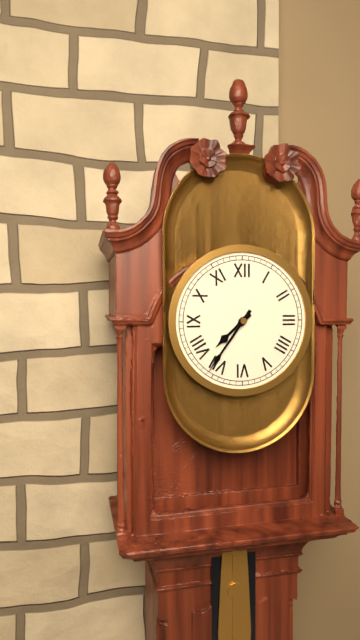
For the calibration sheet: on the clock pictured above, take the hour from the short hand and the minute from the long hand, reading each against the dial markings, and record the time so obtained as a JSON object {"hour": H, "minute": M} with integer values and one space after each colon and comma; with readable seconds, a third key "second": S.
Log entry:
{"hour": 7, "minute": 36}
